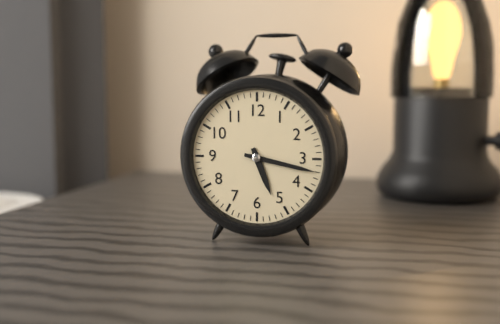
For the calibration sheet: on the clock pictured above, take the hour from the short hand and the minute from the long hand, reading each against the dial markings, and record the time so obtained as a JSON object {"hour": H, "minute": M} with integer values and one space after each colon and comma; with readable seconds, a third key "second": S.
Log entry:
{"hour": 5, "minute": 17}
